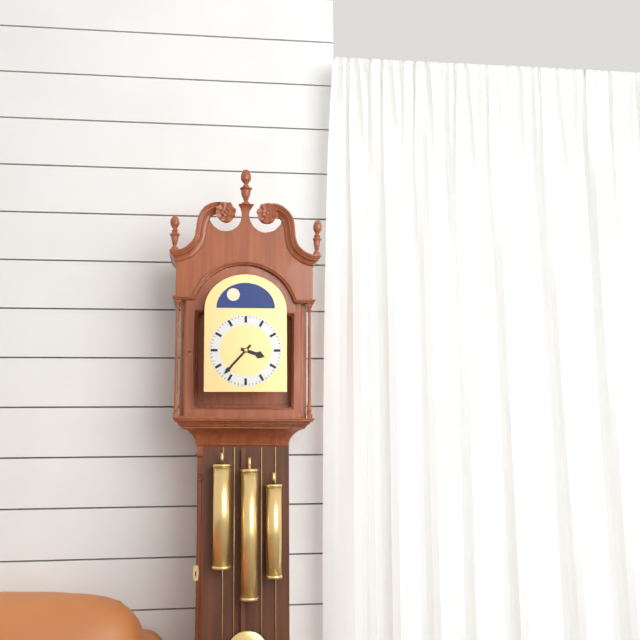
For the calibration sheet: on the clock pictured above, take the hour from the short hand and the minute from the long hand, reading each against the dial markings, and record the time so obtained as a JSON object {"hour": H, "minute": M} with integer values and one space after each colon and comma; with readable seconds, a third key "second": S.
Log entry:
{"hour": 3, "minute": 37}
